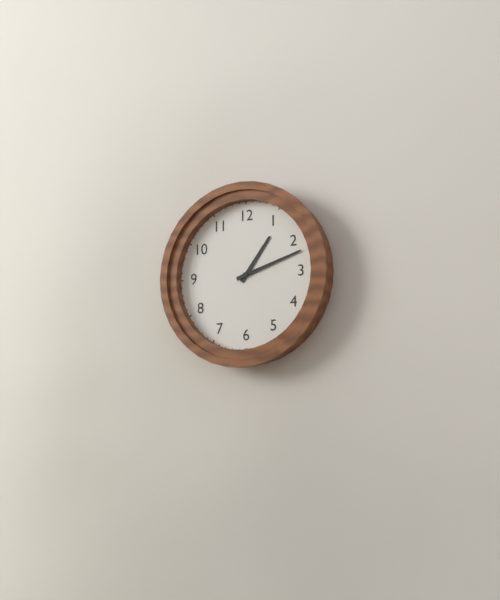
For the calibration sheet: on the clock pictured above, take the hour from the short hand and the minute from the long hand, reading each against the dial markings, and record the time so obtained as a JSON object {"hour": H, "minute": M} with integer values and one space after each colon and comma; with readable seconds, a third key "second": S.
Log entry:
{"hour": 1, "minute": 12}
